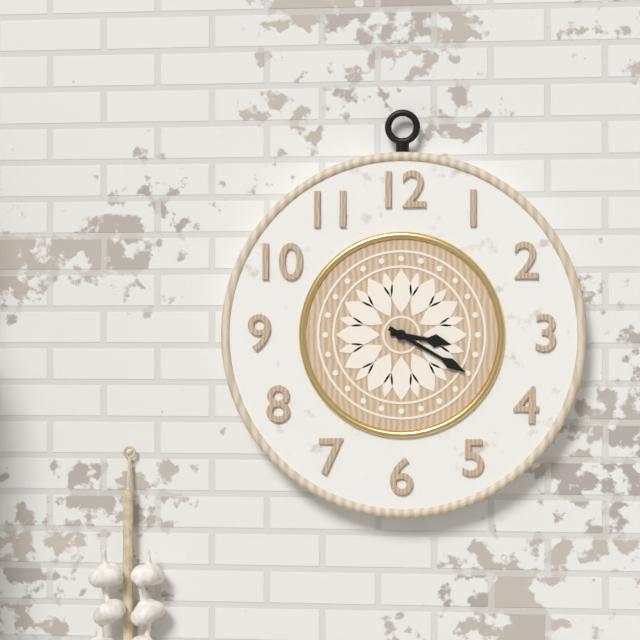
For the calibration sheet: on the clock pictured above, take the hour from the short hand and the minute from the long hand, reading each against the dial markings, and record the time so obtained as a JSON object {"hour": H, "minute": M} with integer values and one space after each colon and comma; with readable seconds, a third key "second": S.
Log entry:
{"hour": 3, "minute": 20}
